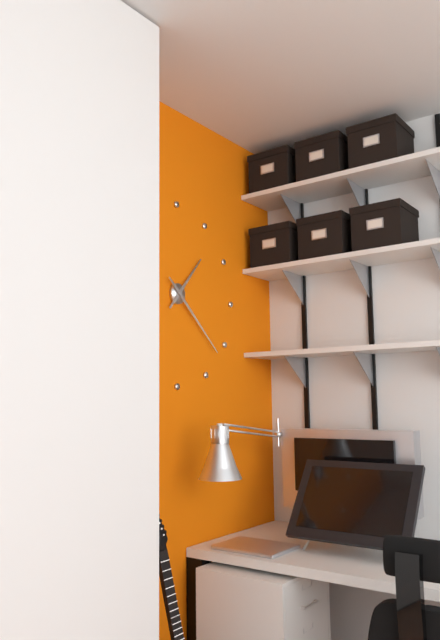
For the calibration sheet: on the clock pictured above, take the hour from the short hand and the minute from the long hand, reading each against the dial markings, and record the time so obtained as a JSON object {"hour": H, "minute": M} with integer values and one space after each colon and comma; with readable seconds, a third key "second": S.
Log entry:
{"hour": 1, "minute": 22}
